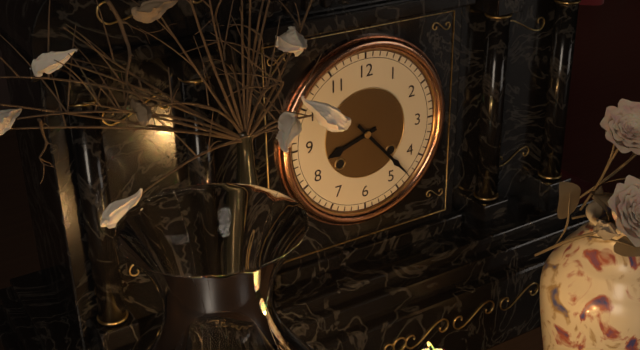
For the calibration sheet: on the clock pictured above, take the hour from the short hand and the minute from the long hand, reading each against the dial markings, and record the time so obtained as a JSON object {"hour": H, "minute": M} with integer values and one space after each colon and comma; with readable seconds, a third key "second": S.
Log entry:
{"hour": 8, "minute": 23}
